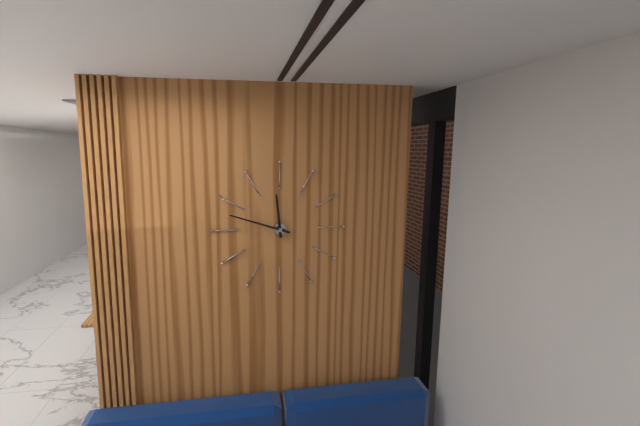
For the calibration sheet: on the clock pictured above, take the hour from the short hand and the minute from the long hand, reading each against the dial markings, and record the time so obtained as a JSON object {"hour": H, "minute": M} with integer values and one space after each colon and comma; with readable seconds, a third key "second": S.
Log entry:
{"hour": 11, "minute": 48}
